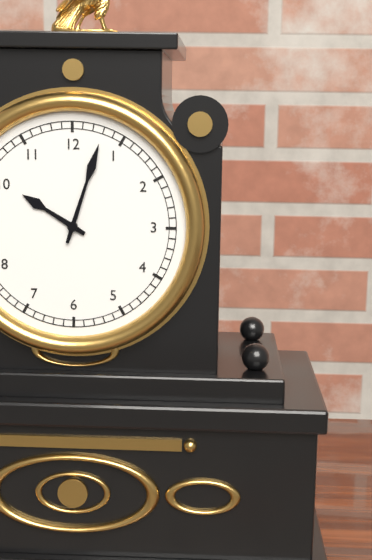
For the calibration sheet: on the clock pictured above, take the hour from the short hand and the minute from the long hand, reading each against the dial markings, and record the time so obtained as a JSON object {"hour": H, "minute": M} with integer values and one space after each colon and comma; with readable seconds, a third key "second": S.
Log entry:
{"hour": 10, "minute": 3}
